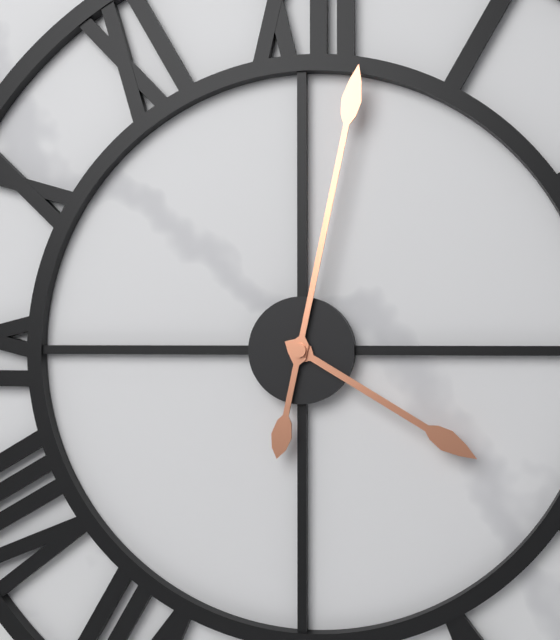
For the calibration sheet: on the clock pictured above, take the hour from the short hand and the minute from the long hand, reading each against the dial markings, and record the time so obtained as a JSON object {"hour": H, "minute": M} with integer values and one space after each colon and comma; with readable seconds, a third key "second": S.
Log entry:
{"hour": 4, "minute": 2}
